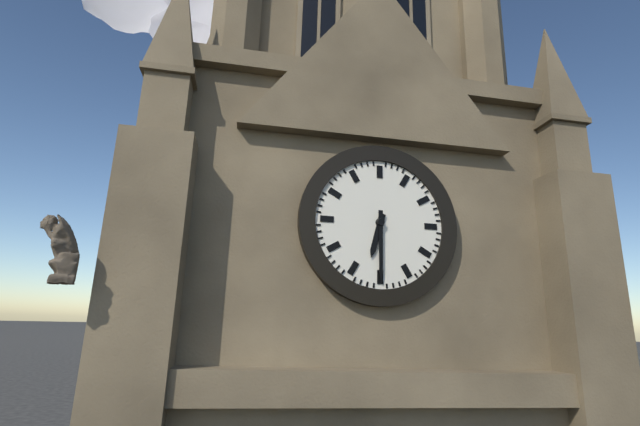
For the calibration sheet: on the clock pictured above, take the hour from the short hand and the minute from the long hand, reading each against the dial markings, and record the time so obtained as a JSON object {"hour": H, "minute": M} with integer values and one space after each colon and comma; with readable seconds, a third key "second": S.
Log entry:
{"hour": 6, "minute": 30}
